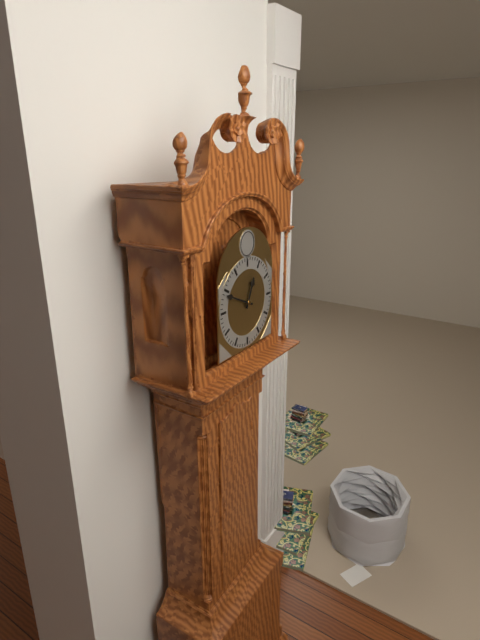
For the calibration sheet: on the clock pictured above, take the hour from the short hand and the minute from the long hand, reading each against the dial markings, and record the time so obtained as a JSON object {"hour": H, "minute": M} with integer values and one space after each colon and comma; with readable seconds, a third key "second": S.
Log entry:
{"hour": 12, "minute": 49}
